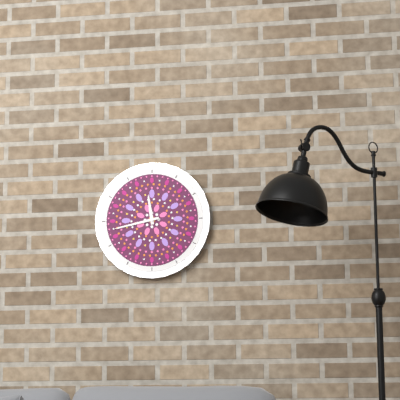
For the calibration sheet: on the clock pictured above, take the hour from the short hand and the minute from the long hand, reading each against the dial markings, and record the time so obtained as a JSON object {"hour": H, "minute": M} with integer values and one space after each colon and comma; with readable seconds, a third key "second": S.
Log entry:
{"hour": 11, "minute": 43}
